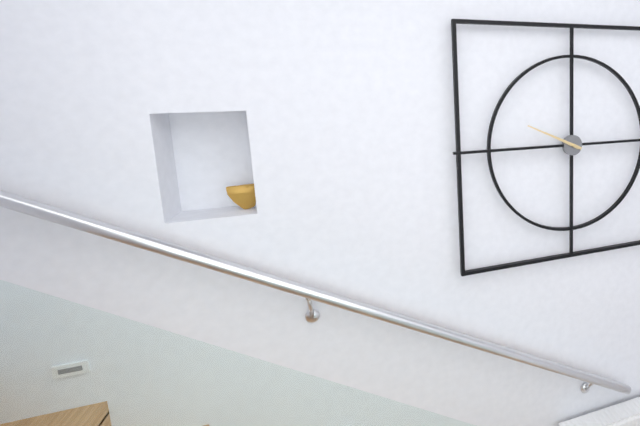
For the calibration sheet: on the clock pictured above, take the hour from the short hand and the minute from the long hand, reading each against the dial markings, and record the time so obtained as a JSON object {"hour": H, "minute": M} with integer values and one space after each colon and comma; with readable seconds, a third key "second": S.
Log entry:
{"hour": 9, "minute": 49}
